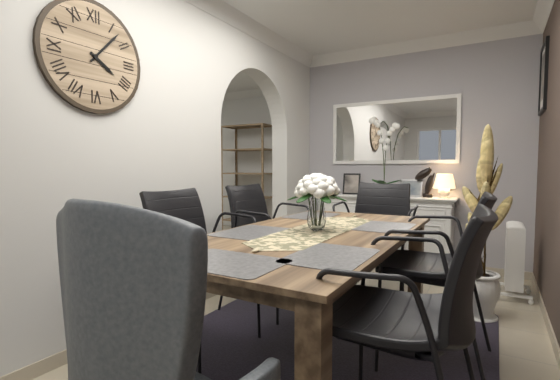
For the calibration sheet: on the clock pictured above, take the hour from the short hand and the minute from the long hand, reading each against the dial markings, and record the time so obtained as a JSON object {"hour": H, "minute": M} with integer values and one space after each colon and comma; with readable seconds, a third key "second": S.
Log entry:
{"hour": 4, "minute": 7}
